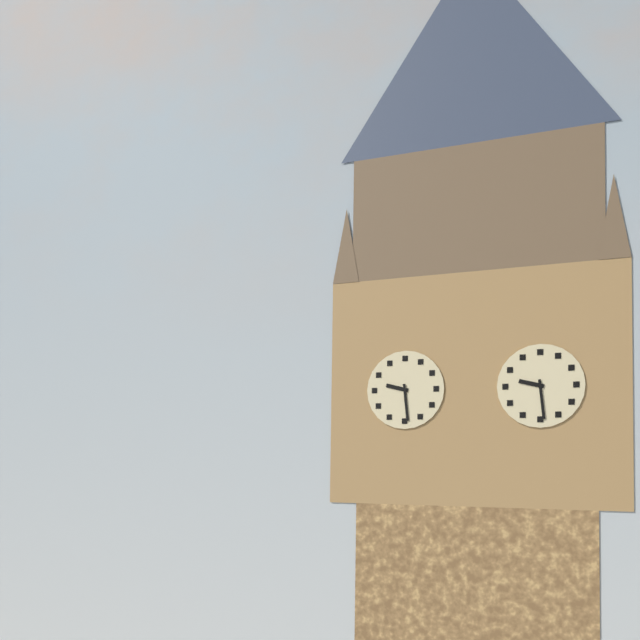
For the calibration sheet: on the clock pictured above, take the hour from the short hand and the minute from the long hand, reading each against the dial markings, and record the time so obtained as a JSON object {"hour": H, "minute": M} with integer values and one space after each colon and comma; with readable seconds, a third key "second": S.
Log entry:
{"hour": 9, "minute": 29}
